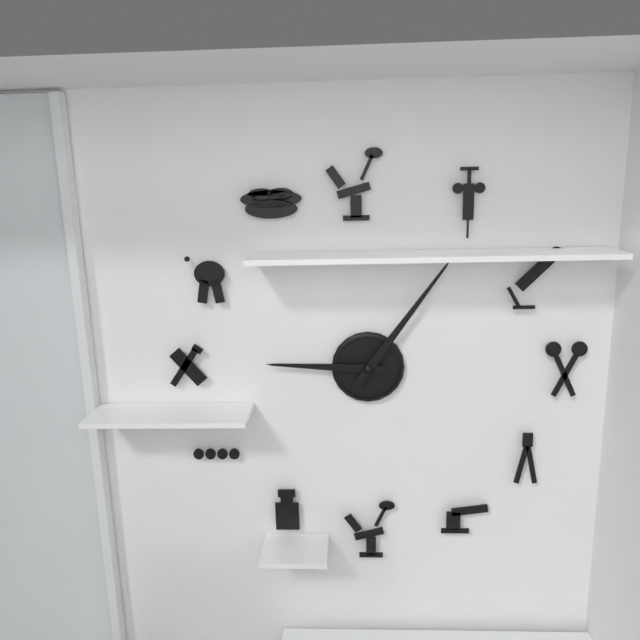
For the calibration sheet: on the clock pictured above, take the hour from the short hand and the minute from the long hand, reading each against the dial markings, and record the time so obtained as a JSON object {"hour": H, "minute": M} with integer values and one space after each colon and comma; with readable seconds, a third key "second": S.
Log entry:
{"hour": 9, "minute": 6}
